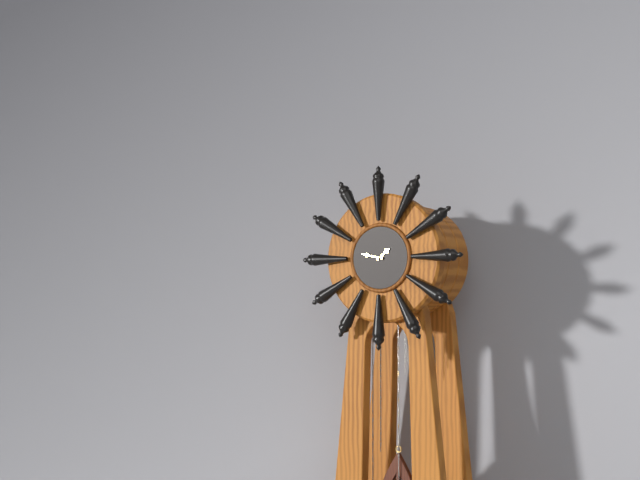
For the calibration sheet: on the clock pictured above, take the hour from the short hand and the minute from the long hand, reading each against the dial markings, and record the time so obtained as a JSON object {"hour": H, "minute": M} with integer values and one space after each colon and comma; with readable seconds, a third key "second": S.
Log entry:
{"hour": 1, "minute": 47}
